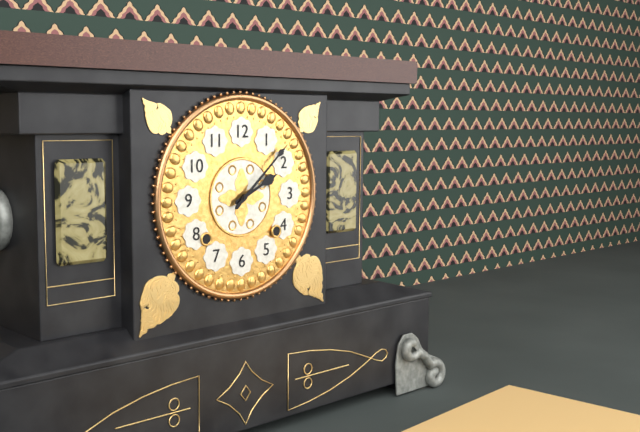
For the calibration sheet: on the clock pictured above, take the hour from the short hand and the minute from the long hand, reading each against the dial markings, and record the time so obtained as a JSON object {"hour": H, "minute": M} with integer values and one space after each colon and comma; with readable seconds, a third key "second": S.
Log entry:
{"hour": 2, "minute": 8}
